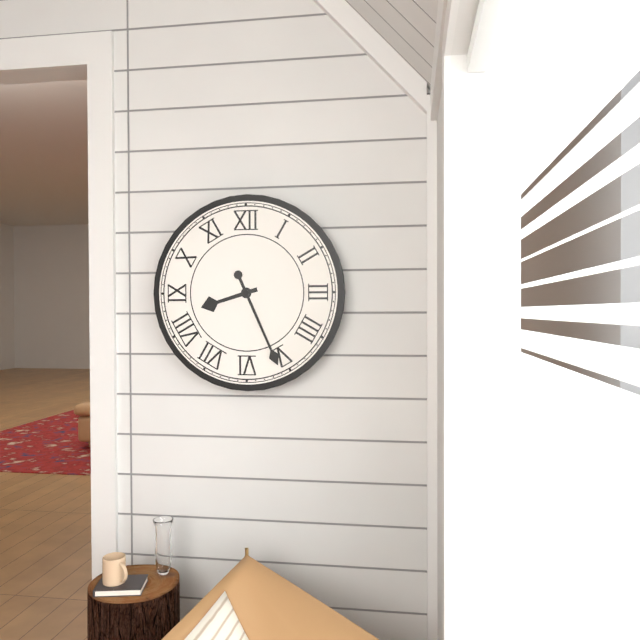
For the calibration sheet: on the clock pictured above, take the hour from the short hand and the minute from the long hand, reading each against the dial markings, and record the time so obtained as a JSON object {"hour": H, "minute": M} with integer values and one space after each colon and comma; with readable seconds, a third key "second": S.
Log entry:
{"hour": 8, "minute": 26}
